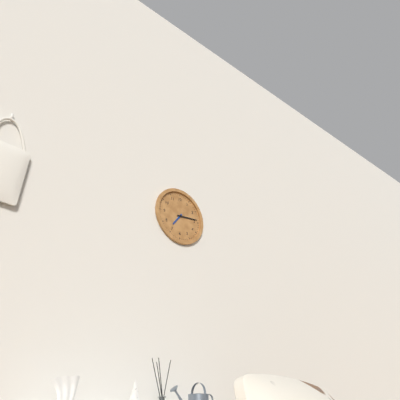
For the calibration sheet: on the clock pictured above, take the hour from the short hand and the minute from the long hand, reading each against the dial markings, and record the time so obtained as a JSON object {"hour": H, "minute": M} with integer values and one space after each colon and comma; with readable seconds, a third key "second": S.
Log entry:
{"hour": 7, "minute": 14}
